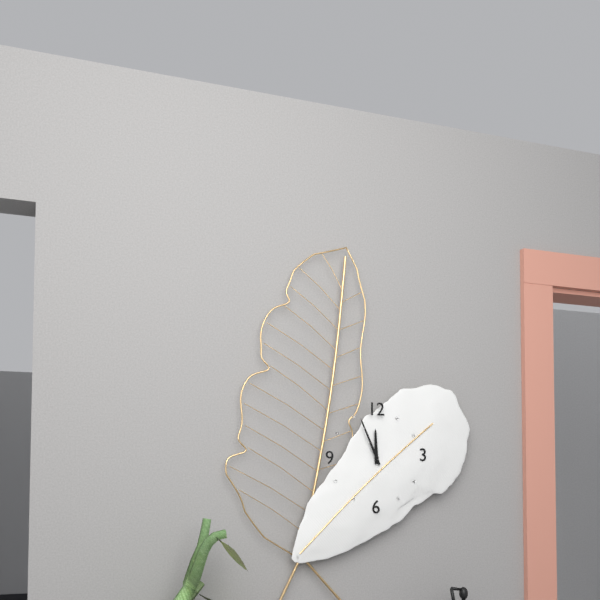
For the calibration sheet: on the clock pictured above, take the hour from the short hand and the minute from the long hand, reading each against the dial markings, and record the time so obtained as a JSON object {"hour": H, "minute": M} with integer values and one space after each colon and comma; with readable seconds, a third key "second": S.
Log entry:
{"hour": 11, "minute": 56}
